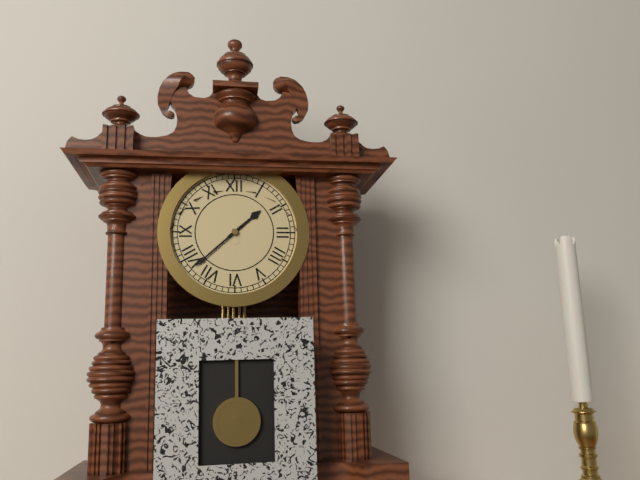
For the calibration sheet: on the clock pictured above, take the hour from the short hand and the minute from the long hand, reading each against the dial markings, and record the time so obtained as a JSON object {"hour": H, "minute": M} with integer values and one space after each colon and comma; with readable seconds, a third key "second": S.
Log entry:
{"hour": 1, "minute": 38}
